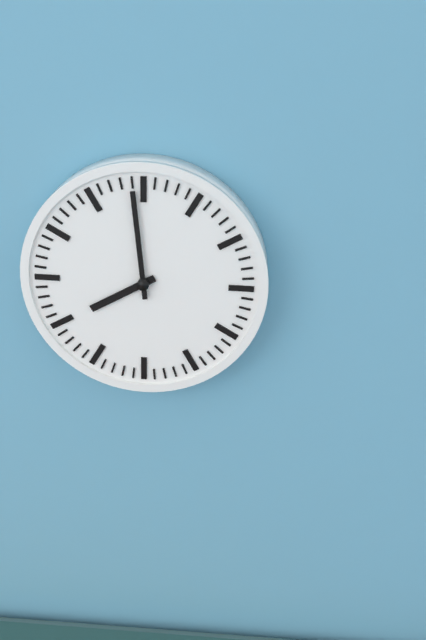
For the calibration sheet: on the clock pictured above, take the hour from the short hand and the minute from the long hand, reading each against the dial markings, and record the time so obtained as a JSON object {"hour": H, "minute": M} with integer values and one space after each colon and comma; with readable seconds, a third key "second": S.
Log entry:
{"hour": 7, "minute": 59}
